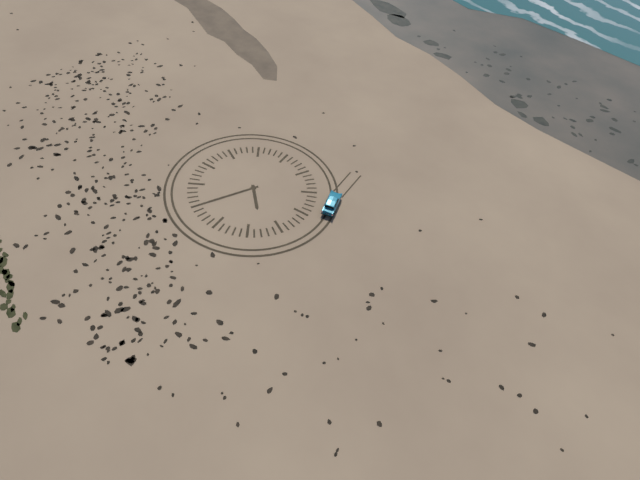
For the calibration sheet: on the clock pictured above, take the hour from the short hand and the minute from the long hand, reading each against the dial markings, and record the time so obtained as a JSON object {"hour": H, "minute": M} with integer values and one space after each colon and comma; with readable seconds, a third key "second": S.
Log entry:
{"hour": 4, "minute": 35}
